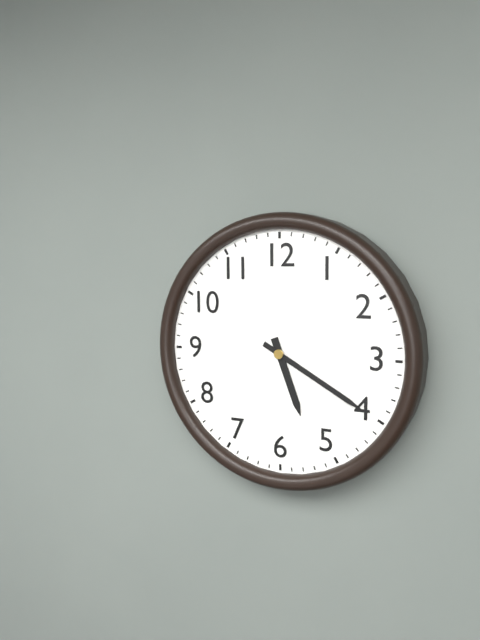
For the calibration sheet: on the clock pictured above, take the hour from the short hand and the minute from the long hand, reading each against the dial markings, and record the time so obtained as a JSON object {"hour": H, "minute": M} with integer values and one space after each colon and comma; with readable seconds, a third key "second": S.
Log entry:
{"hour": 5, "minute": 20}
